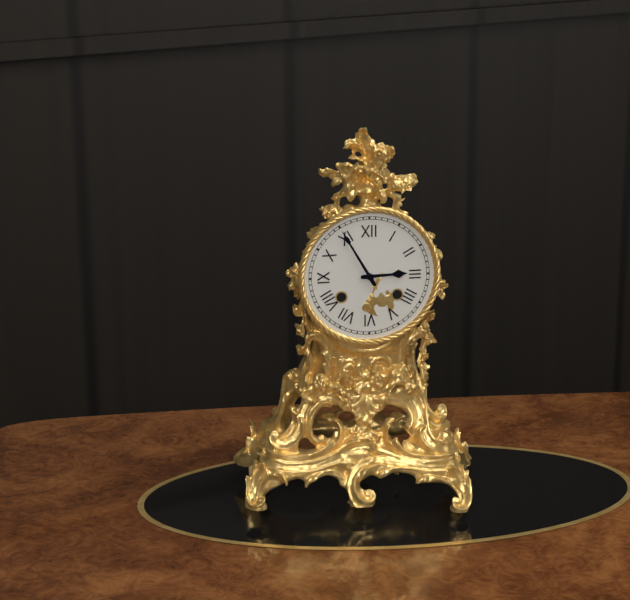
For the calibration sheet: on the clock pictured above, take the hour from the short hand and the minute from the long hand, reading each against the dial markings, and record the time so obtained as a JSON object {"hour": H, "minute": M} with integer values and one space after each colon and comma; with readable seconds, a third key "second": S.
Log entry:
{"hour": 2, "minute": 55}
